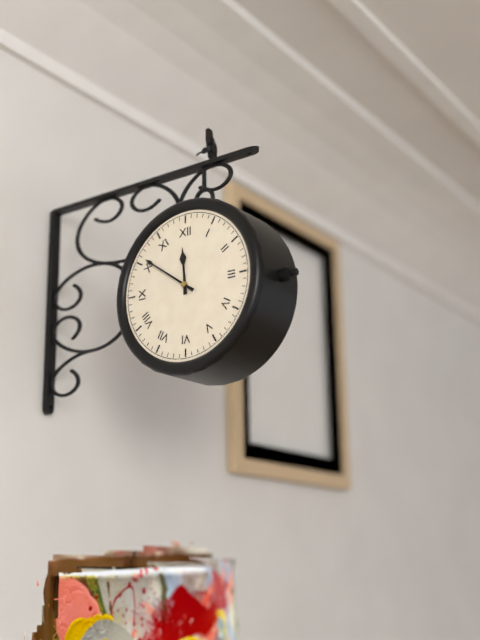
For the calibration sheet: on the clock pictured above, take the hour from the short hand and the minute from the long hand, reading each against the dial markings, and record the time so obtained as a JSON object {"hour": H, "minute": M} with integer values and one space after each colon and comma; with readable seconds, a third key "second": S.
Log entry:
{"hour": 11, "minute": 51}
